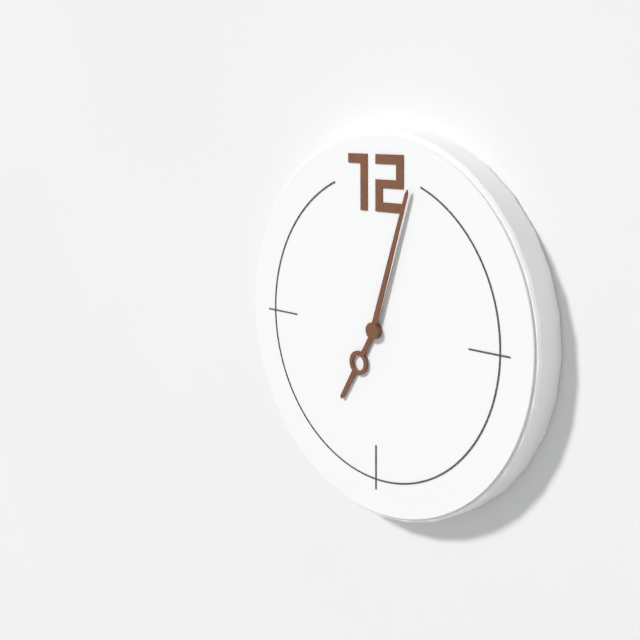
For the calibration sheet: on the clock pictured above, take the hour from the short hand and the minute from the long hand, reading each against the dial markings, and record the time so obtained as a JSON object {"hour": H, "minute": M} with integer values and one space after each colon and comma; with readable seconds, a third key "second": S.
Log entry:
{"hour": 7, "minute": 3}
